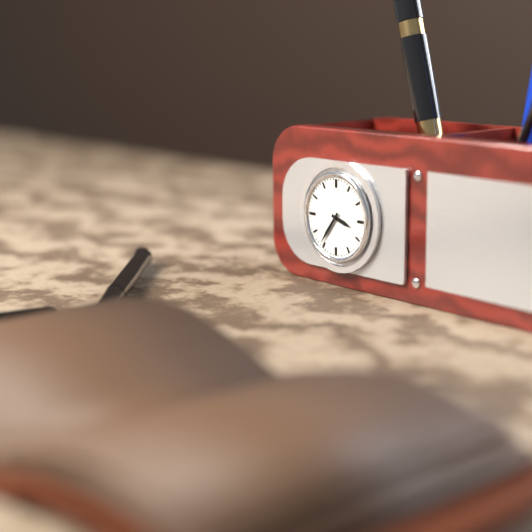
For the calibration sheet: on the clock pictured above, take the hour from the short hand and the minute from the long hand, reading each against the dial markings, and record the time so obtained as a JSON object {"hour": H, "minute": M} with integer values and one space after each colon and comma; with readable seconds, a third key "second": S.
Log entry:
{"hour": 3, "minute": 36}
